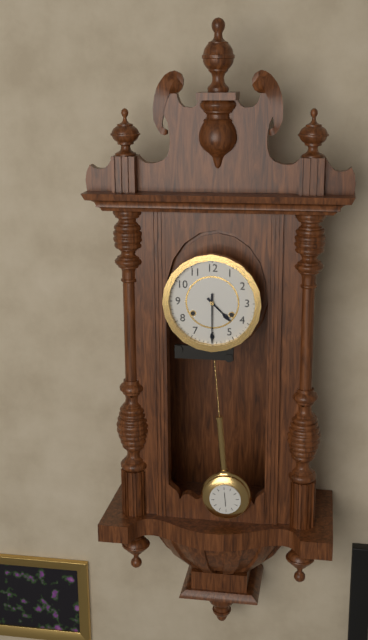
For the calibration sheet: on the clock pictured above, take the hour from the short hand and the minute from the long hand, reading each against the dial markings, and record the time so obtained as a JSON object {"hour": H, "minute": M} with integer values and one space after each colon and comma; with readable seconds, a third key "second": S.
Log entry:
{"hour": 4, "minute": 30}
